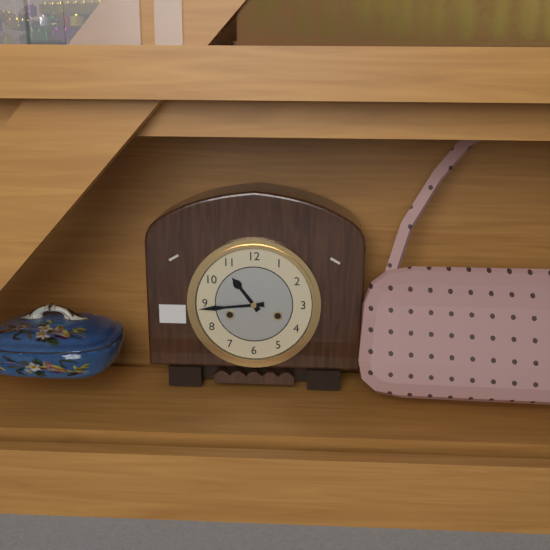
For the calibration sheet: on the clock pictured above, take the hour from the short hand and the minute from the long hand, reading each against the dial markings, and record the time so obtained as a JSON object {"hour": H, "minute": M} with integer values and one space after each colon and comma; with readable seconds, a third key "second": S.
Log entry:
{"hour": 10, "minute": 44}
